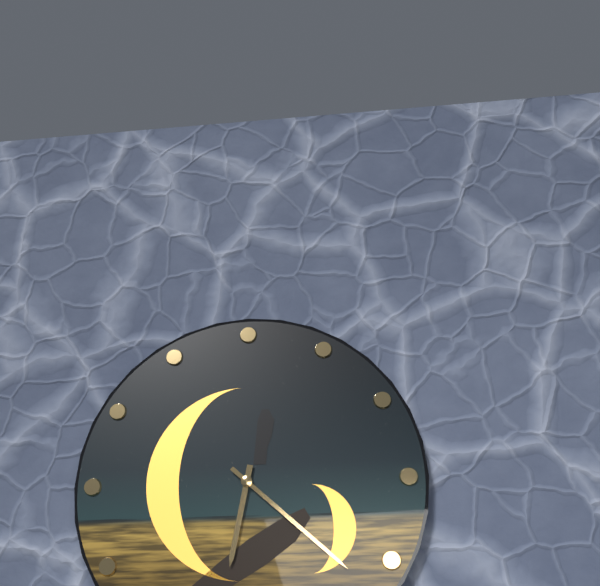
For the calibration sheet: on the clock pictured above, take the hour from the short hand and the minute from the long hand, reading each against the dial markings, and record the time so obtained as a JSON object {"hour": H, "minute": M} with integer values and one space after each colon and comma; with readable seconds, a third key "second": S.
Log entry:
{"hour": 6, "minute": 22}
